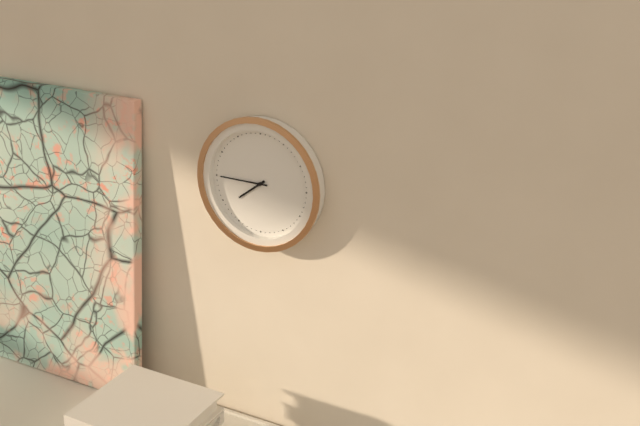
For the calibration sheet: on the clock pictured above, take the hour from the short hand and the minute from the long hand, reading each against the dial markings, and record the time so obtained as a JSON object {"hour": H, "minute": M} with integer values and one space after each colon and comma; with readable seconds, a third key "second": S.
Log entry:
{"hour": 7, "minute": 45}
